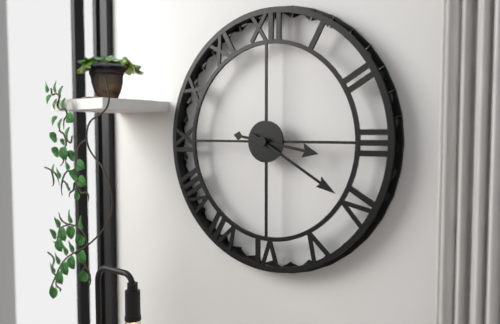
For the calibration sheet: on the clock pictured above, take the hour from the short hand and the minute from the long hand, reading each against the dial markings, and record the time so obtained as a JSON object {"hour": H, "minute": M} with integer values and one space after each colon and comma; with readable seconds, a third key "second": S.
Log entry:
{"hour": 3, "minute": 20}
